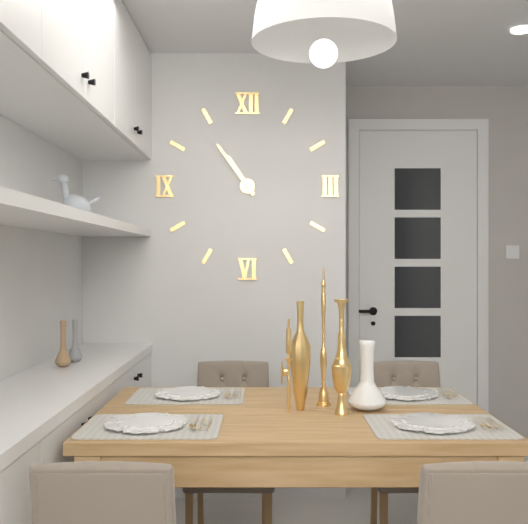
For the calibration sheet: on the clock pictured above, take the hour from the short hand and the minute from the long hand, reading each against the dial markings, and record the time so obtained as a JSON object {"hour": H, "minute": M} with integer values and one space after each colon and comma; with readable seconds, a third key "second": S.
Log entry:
{"hour": 10, "minute": 54}
